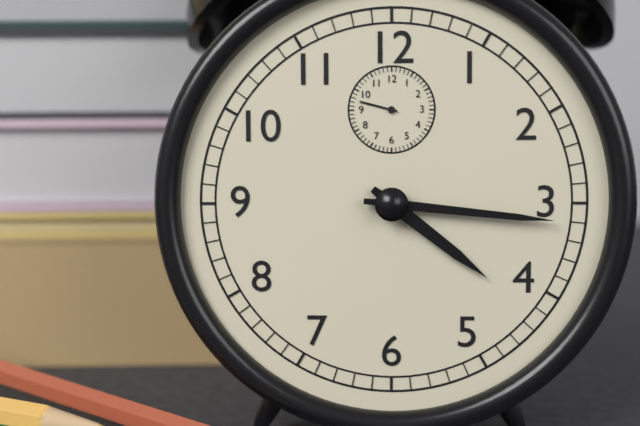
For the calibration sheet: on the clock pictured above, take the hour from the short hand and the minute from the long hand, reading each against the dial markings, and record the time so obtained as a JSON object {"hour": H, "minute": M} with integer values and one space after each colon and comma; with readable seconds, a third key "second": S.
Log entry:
{"hour": 4, "minute": 16}
